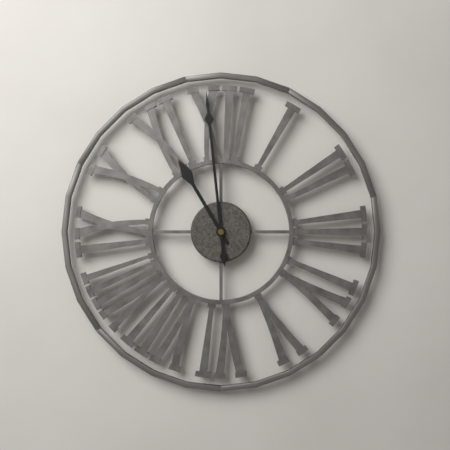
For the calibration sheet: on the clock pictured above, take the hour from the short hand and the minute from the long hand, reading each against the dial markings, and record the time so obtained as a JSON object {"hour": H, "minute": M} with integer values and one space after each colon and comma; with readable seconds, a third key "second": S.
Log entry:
{"hour": 10, "minute": 59}
